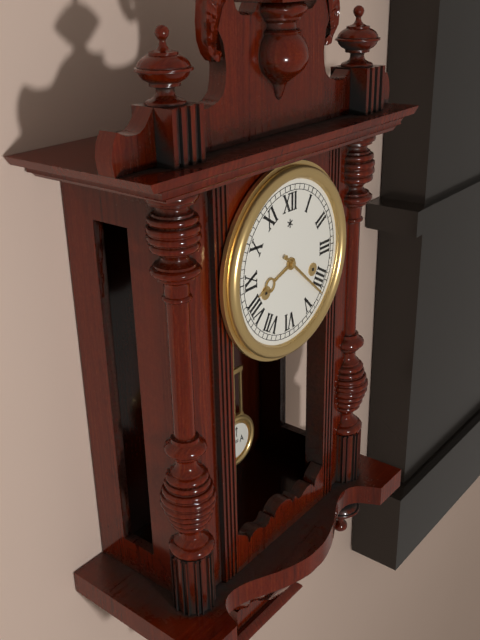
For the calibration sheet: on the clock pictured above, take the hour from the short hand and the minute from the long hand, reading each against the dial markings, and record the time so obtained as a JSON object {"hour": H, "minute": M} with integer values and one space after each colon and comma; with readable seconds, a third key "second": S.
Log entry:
{"hour": 8, "minute": 22}
